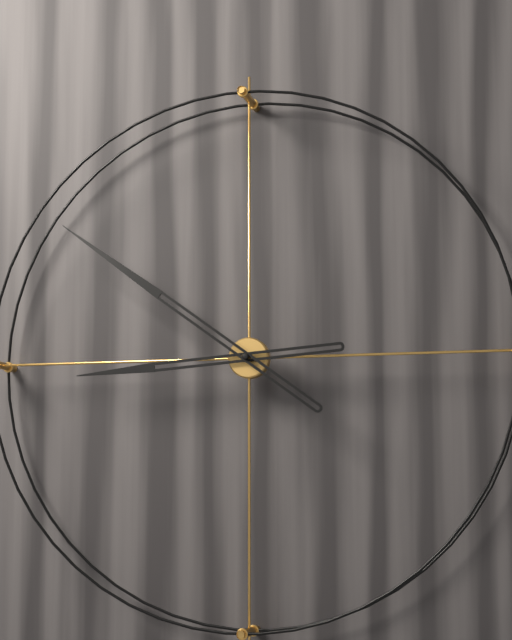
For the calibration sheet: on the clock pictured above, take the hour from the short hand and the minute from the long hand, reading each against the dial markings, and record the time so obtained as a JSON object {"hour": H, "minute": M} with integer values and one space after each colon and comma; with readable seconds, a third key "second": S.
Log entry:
{"hour": 8, "minute": 51}
